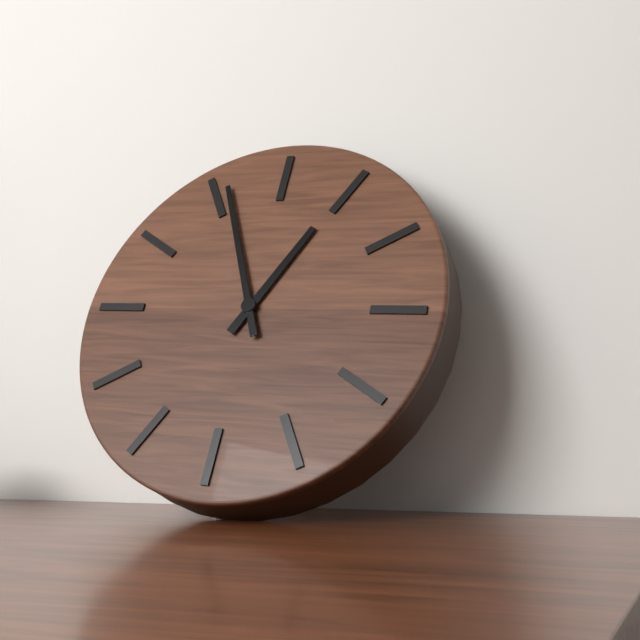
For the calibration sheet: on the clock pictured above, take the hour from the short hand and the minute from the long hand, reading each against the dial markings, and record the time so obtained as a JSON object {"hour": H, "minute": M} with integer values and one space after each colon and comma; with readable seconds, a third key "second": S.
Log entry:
{"hour": 12, "minute": 56}
